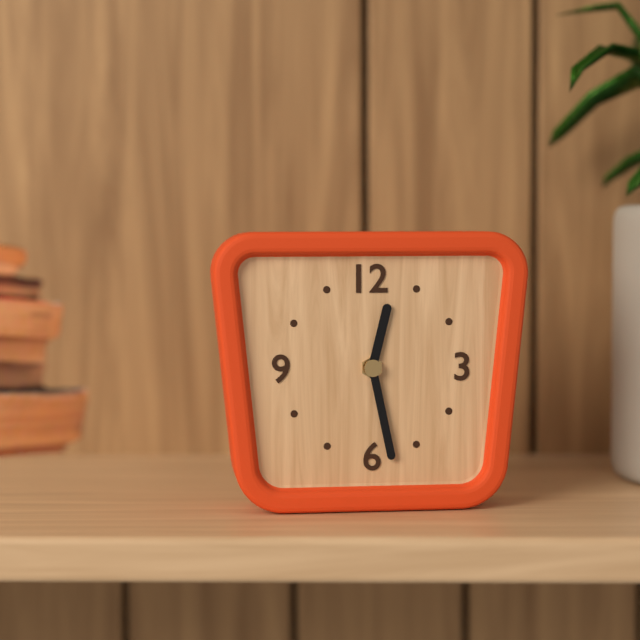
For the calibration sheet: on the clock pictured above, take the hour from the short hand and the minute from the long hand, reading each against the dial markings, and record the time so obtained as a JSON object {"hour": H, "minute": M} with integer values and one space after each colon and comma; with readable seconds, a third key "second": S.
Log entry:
{"hour": 12, "minute": 28}
